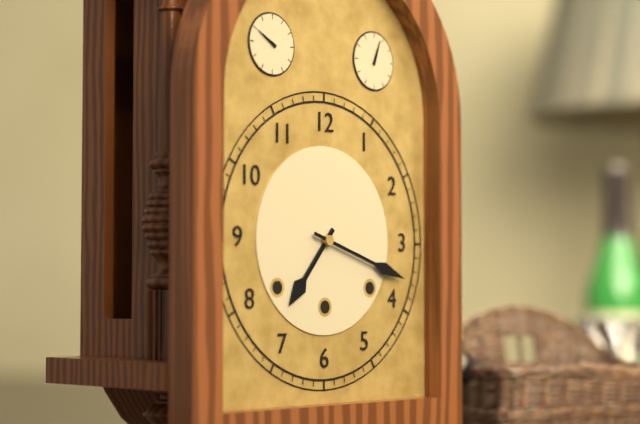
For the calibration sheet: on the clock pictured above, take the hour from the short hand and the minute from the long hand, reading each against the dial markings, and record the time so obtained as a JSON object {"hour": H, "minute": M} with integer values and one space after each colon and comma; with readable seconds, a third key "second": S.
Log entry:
{"hour": 7, "minute": 18}
